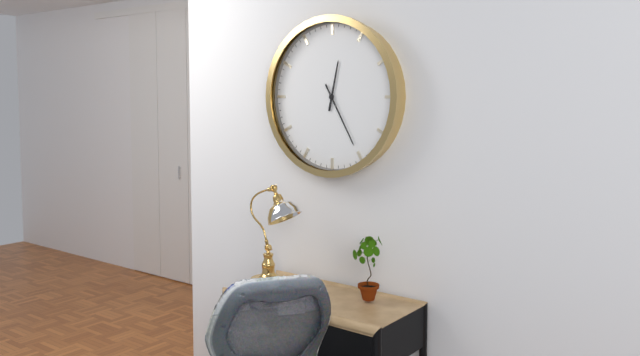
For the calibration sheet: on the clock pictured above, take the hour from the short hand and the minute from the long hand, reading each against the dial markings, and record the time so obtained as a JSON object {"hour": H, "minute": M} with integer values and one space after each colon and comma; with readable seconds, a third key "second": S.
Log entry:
{"hour": 12, "minute": 25}
